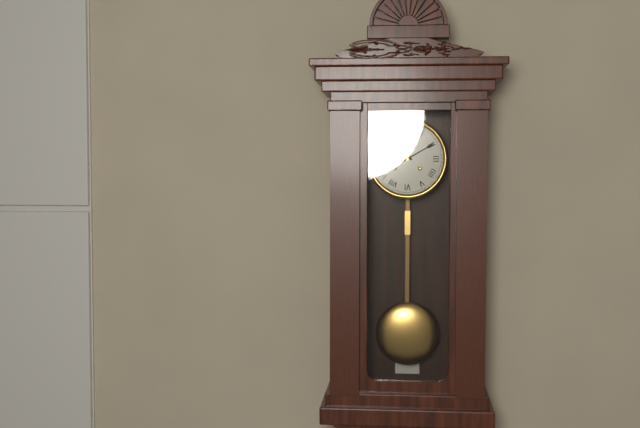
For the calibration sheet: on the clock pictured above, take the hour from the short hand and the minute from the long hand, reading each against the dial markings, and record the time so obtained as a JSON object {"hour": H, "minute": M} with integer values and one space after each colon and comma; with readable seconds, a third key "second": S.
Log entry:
{"hour": 9, "minute": 10}
